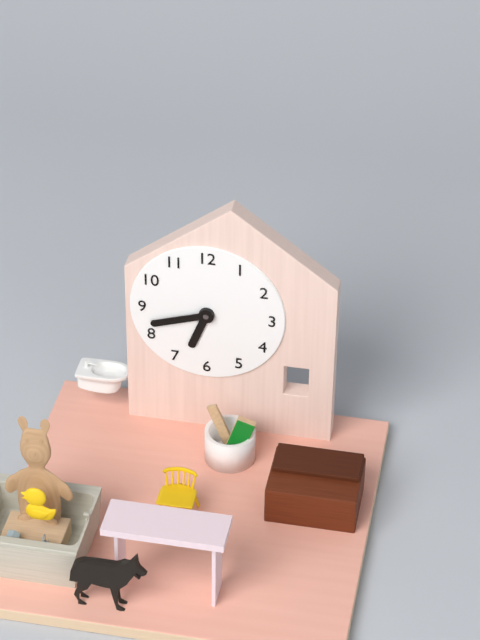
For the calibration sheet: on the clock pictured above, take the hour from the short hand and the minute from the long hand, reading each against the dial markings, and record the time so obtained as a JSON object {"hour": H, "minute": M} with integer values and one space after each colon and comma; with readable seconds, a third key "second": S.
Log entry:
{"hour": 6, "minute": 42}
